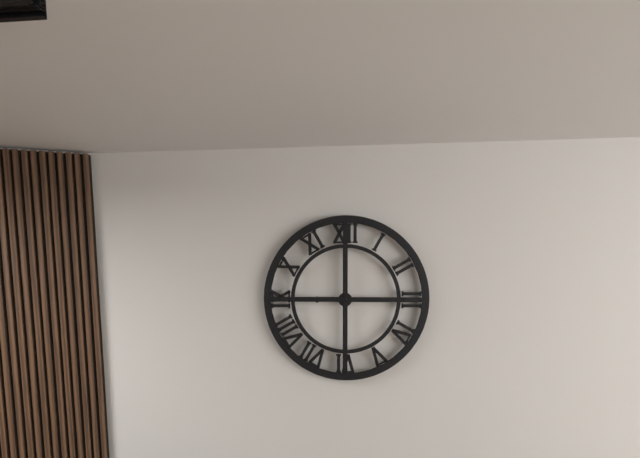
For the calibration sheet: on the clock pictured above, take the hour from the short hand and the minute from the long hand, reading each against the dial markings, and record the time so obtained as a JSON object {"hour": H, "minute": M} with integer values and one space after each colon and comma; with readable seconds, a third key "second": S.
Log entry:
{"hour": 9, "minute": 0}
